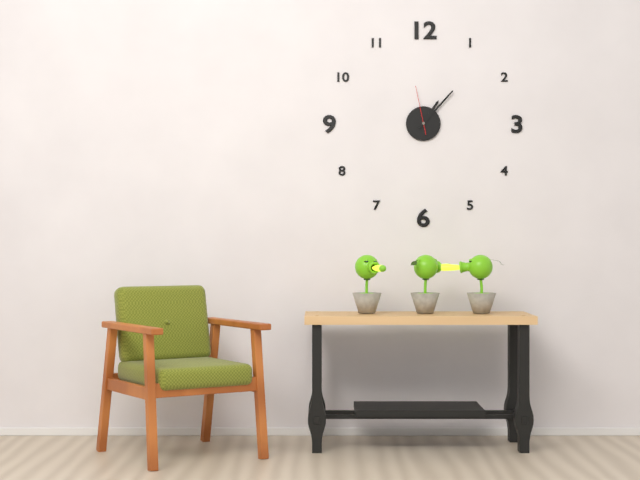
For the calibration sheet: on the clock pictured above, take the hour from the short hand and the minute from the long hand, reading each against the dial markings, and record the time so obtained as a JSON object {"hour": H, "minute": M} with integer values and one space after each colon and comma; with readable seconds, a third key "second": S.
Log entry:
{"hour": 1, "minute": 7}
